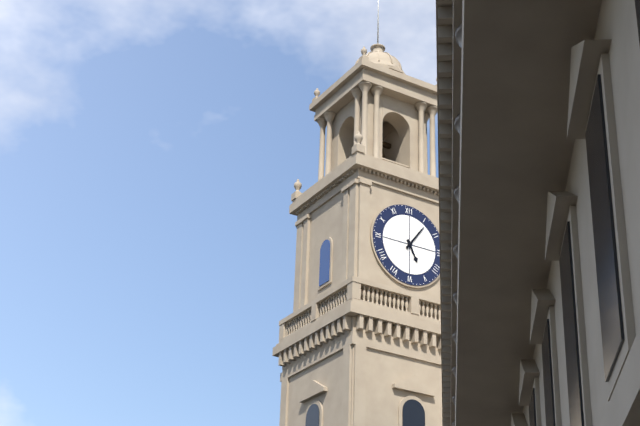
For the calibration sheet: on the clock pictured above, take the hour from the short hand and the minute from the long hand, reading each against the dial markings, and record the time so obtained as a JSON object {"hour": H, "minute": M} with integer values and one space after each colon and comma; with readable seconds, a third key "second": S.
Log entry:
{"hour": 5, "minute": 6}
